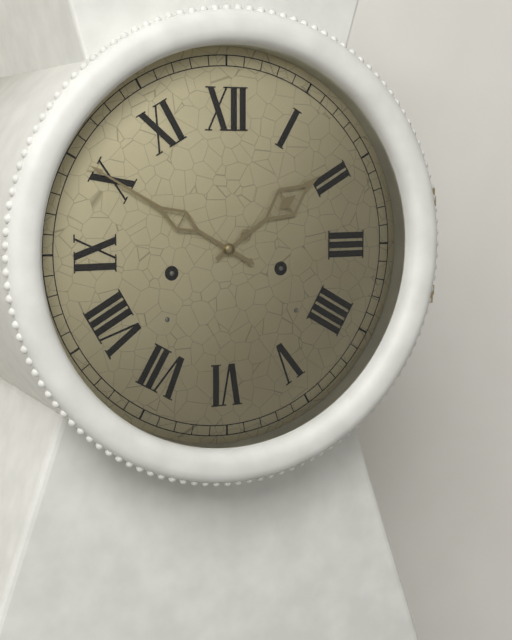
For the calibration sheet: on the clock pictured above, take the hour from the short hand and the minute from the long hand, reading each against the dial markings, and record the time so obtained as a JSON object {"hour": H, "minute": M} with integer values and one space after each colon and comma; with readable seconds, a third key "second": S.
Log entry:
{"hour": 1, "minute": 50}
